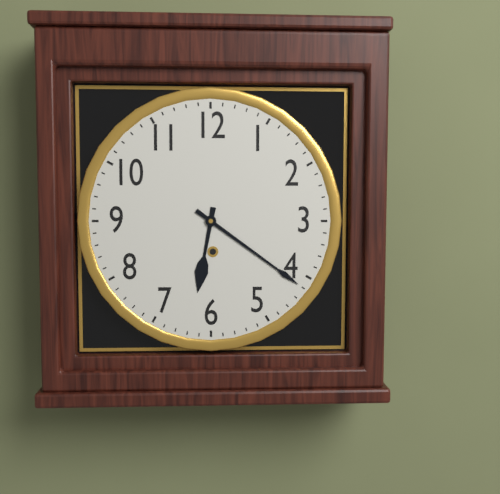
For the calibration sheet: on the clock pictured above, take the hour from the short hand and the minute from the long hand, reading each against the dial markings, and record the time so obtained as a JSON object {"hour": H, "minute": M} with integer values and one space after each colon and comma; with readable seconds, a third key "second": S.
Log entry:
{"hour": 6, "minute": 21}
